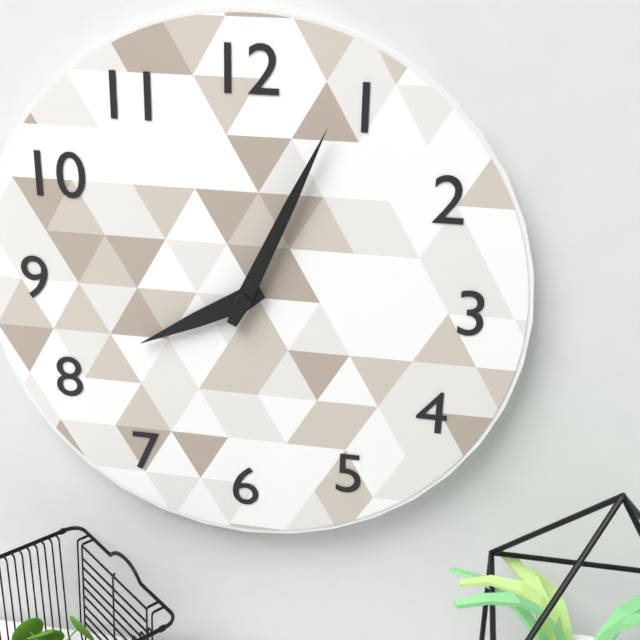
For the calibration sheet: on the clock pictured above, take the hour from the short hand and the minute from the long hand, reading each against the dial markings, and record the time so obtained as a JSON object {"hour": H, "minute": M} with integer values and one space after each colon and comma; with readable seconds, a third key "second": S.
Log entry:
{"hour": 8, "minute": 4}
